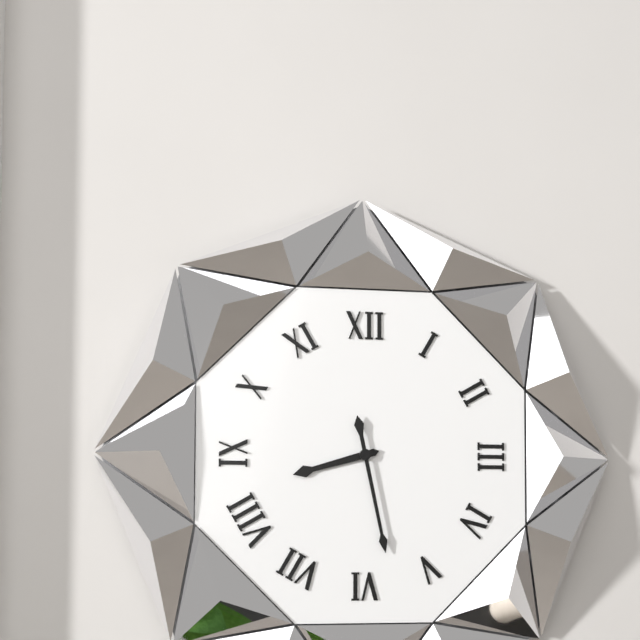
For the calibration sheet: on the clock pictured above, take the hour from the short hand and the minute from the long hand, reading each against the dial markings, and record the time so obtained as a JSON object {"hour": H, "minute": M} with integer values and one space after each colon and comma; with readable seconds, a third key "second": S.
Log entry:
{"hour": 8, "minute": 28}
